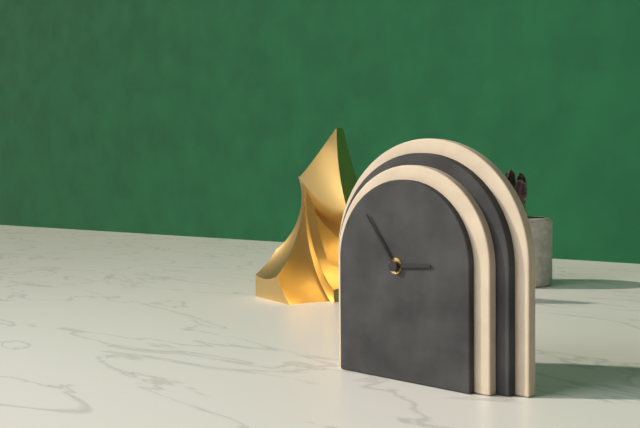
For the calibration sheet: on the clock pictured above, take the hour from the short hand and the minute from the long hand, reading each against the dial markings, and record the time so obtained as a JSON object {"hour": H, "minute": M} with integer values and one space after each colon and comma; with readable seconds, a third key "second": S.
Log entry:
{"hour": 2, "minute": 54}
